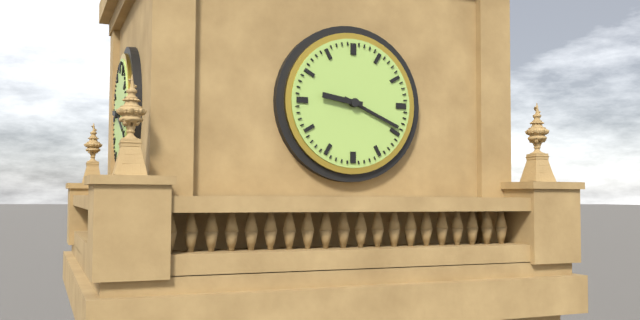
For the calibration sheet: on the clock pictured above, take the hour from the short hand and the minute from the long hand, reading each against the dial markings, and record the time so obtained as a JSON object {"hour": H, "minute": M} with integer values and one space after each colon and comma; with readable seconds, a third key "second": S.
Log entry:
{"hour": 9, "minute": 19}
